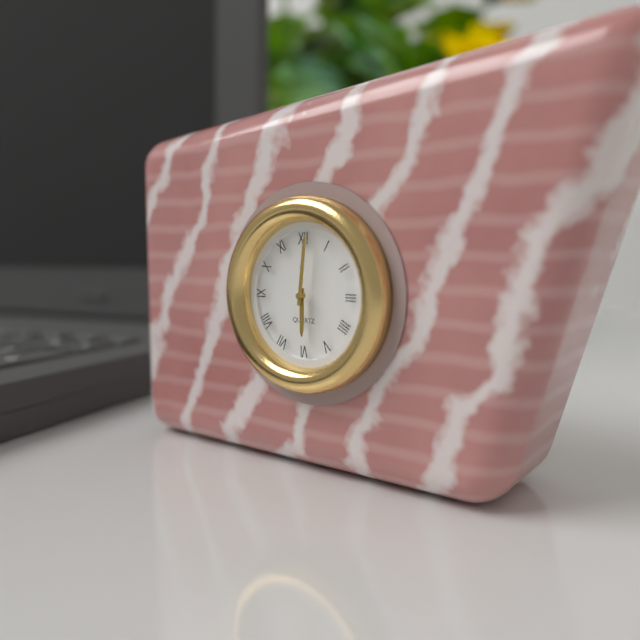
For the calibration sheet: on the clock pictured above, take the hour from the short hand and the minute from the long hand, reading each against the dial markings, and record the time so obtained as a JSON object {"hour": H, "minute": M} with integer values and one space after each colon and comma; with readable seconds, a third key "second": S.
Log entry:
{"hour": 6, "minute": 1}
